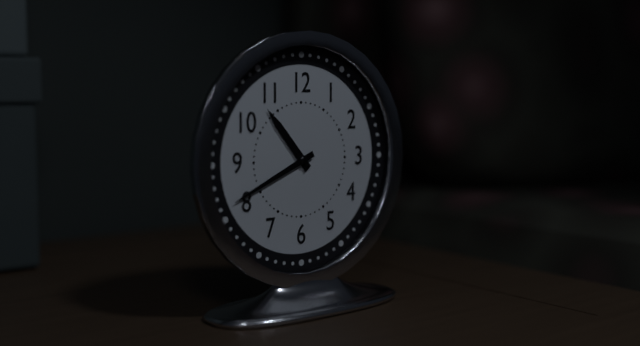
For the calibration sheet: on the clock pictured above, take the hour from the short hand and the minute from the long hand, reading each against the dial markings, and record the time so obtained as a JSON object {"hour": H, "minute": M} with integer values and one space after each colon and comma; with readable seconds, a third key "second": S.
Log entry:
{"hour": 10, "minute": 41}
